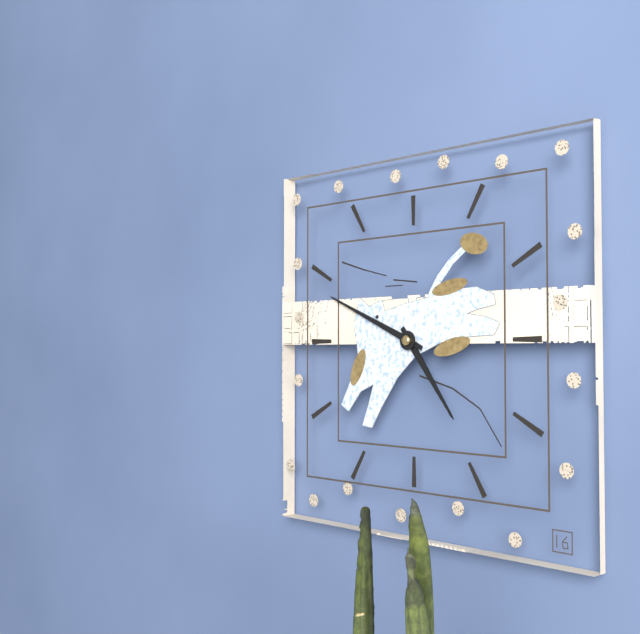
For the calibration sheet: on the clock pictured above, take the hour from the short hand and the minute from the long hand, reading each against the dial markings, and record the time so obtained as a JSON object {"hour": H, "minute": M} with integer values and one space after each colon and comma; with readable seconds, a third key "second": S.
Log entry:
{"hour": 4, "minute": 49}
